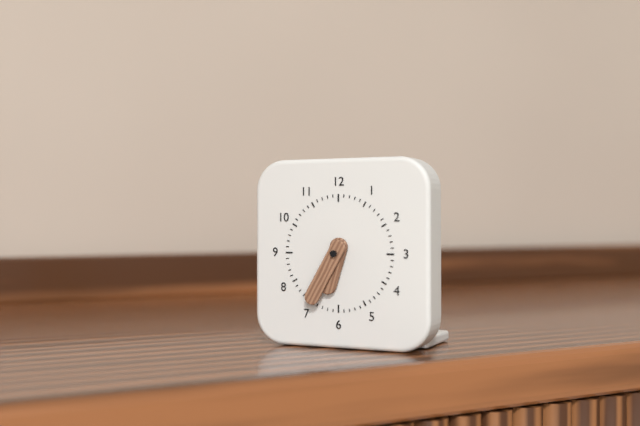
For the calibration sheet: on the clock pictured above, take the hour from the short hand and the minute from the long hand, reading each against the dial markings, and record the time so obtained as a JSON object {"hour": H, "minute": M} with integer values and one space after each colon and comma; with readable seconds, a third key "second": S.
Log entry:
{"hour": 6, "minute": 35}
